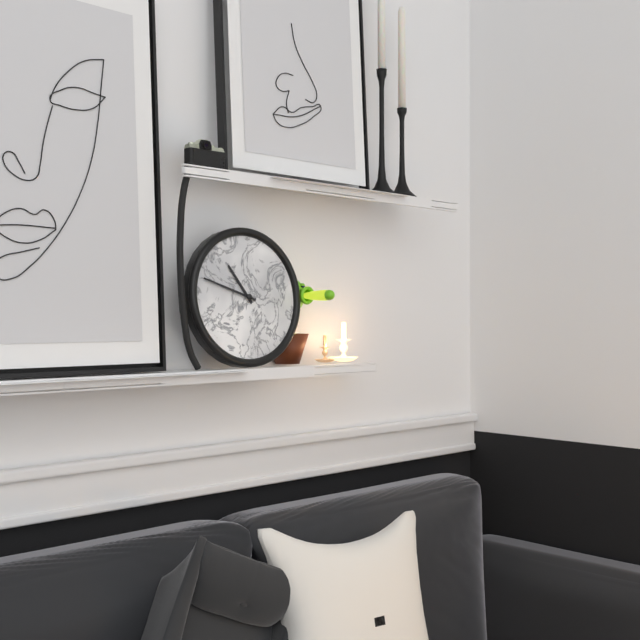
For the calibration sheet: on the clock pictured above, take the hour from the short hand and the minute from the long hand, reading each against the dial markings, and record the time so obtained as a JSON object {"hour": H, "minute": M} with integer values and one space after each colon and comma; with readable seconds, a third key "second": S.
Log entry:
{"hour": 10, "minute": 48}
